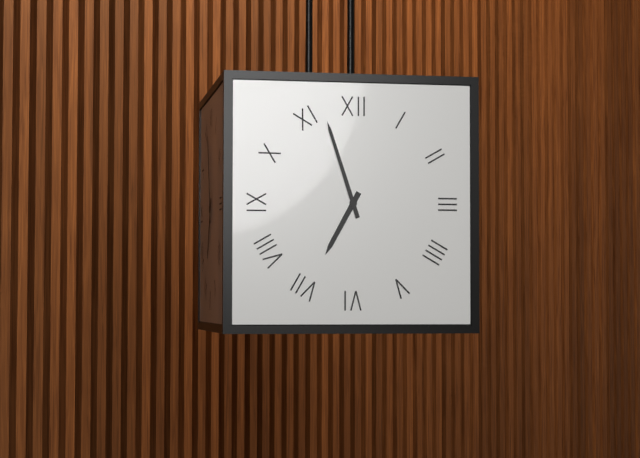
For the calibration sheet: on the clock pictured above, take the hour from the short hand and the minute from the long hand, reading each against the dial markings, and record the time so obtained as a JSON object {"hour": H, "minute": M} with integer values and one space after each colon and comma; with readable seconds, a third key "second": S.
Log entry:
{"hour": 6, "minute": 57}
